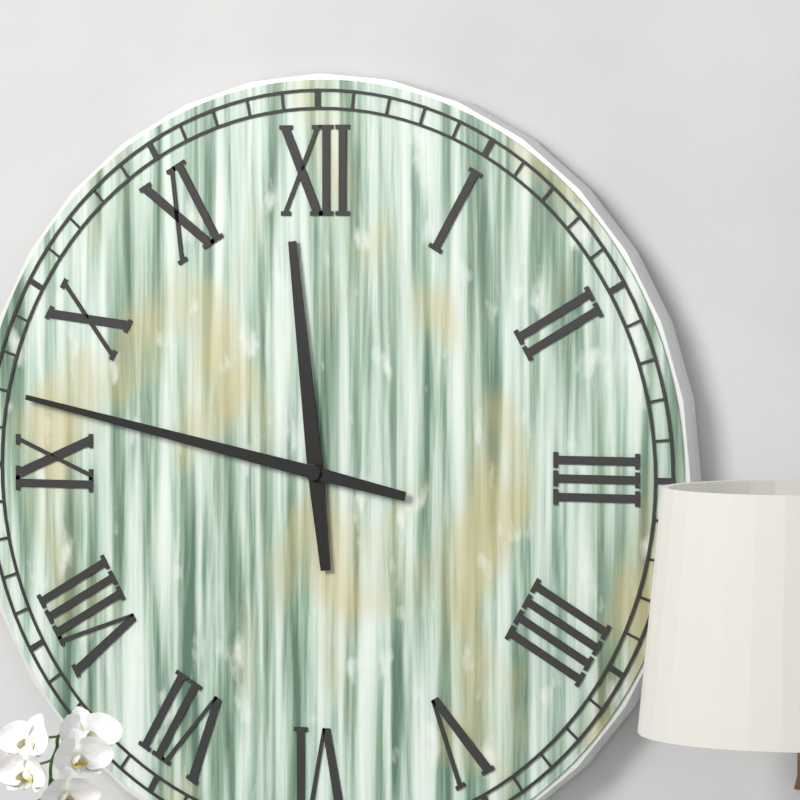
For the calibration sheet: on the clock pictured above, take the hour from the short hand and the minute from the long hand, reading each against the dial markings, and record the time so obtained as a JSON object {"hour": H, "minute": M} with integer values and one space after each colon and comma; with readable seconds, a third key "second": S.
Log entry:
{"hour": 11, "minute": 47}
